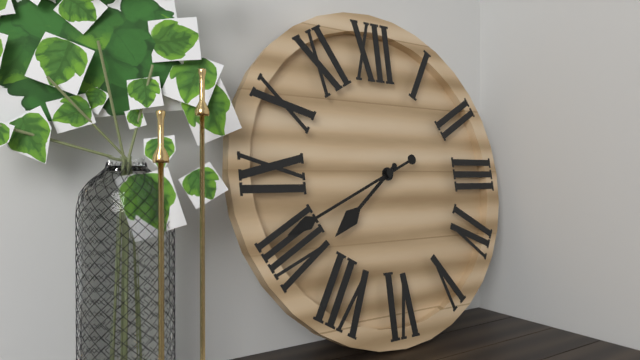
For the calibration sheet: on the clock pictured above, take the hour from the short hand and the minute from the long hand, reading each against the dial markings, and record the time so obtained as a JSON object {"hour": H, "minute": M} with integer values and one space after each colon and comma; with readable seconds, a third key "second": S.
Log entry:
{"hour": 7, "minute": 41}
